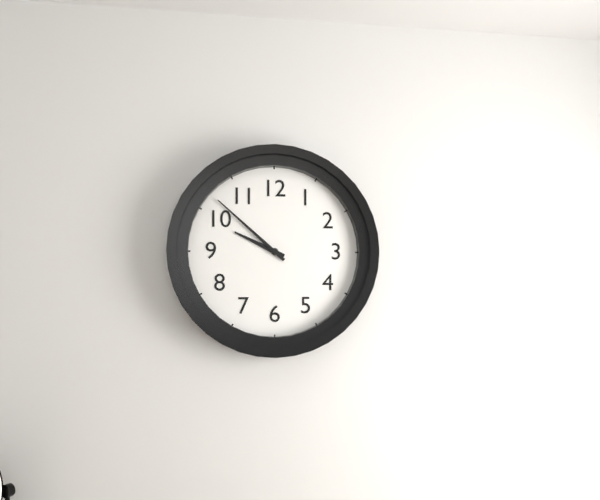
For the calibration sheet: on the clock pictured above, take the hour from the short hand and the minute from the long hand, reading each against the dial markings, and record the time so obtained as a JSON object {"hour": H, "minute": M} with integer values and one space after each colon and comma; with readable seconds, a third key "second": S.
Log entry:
{"hour": 9, "minute": 52}
